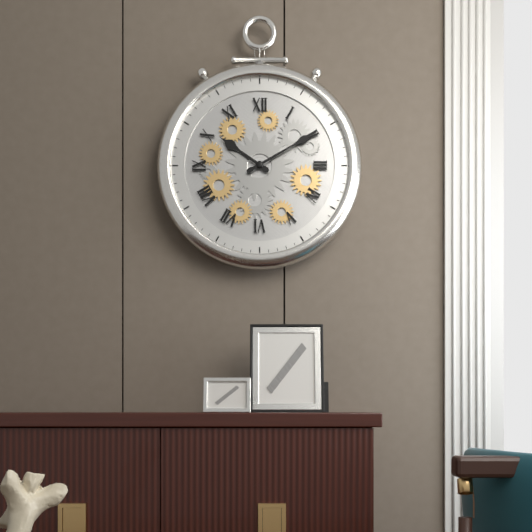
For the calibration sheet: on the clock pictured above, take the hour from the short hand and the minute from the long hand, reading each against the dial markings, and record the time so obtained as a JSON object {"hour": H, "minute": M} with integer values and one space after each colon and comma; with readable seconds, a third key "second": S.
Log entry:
{"hour": 10, "minute": 10}
